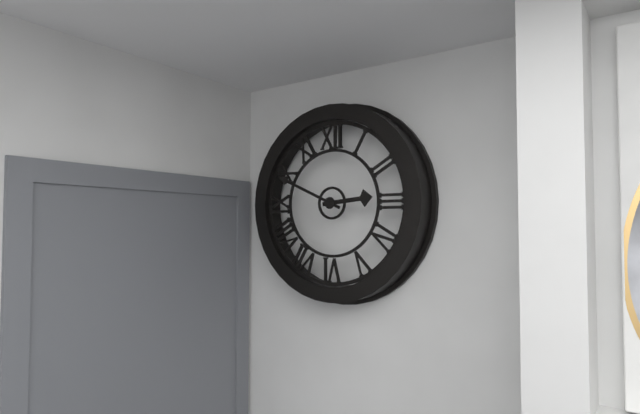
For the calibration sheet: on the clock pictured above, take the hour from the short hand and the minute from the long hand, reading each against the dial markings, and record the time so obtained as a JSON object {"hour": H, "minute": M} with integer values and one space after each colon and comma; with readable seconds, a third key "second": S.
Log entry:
{"hour": 2, "minute": 49}
